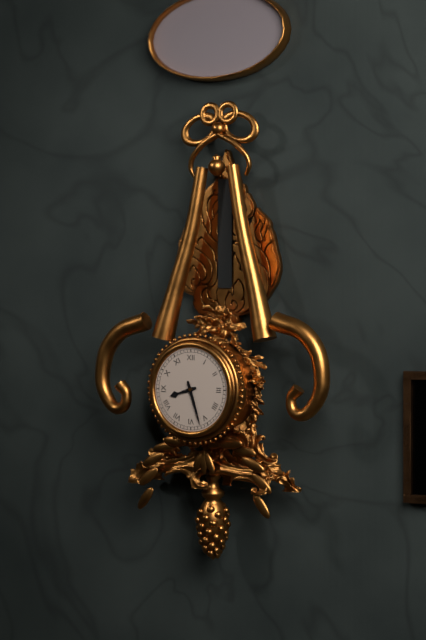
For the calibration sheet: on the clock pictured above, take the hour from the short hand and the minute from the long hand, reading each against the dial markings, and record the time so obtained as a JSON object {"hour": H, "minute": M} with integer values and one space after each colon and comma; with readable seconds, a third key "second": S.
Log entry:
{"hour": 8, "minute": 27}
